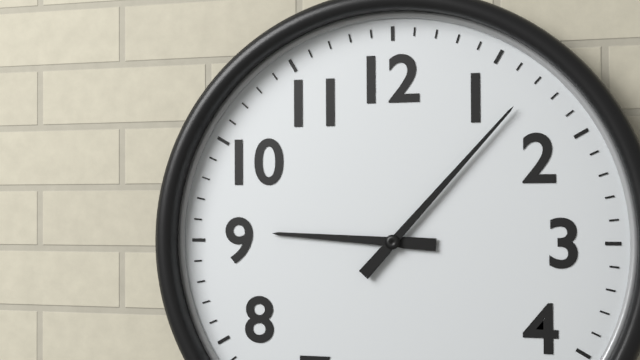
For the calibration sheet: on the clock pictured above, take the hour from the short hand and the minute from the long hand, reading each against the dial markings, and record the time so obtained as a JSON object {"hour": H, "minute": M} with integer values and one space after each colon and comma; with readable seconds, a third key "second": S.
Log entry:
{"hour": 9, "minute": 7}
